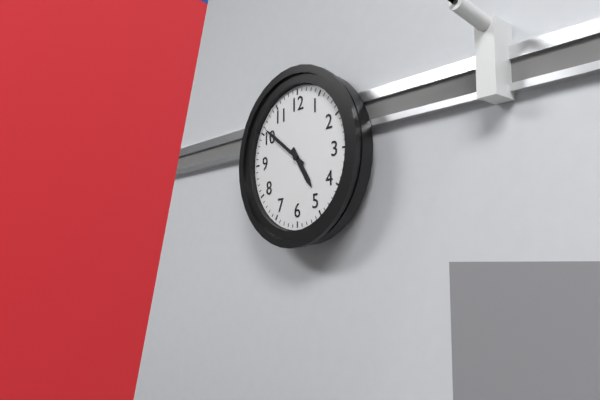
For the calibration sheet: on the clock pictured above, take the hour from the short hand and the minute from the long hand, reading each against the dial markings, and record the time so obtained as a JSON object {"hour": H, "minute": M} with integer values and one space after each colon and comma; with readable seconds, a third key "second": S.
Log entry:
{"hour": 4, "minute": 51}
